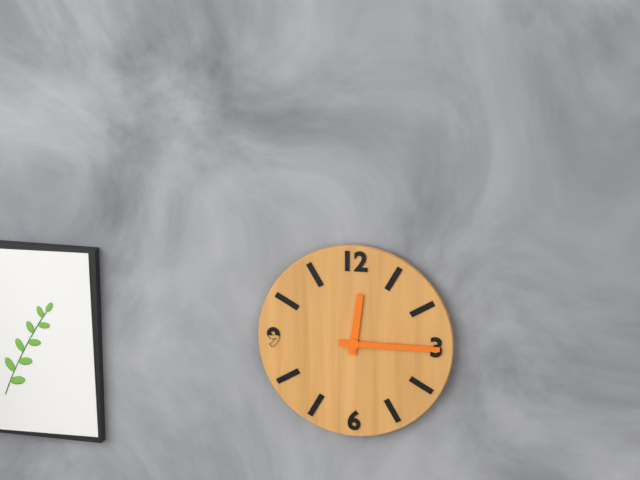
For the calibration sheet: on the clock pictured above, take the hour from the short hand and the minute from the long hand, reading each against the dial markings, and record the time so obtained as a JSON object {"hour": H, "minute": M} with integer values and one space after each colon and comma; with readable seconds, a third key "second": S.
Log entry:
{"hour": 12, "minute": 15}
